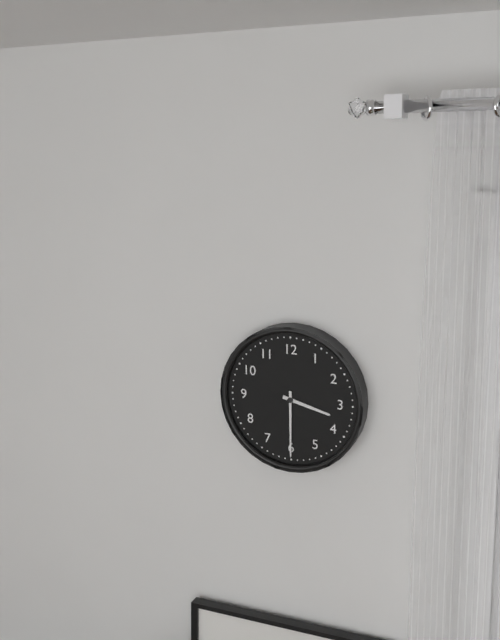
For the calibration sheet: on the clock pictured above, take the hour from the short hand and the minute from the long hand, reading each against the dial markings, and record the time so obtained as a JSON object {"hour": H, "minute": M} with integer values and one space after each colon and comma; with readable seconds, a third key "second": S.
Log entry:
{"hour": 3, "minute": 30}
